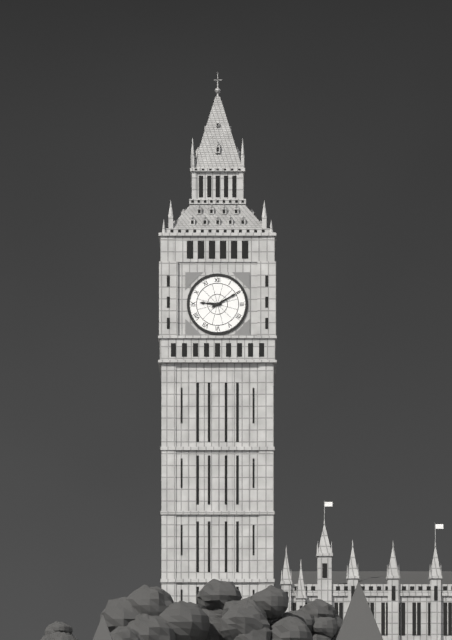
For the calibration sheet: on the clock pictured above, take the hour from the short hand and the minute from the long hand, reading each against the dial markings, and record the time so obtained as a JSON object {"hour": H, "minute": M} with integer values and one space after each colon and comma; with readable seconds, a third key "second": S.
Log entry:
{"hour": 9, "minute": 10}
